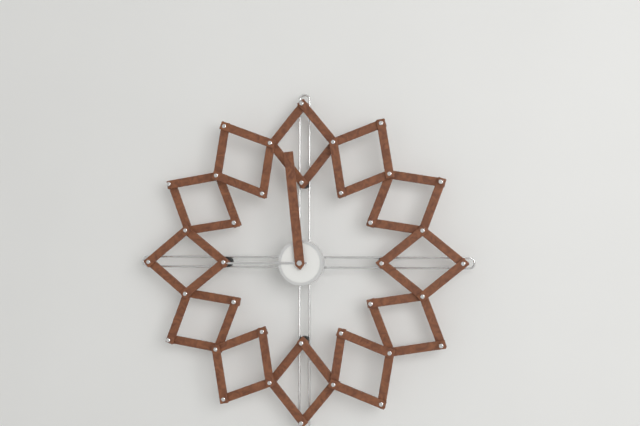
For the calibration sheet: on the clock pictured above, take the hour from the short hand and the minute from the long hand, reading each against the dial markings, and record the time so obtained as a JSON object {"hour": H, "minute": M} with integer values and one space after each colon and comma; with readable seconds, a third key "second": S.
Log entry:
{"hour": 8, "minute": 59}
